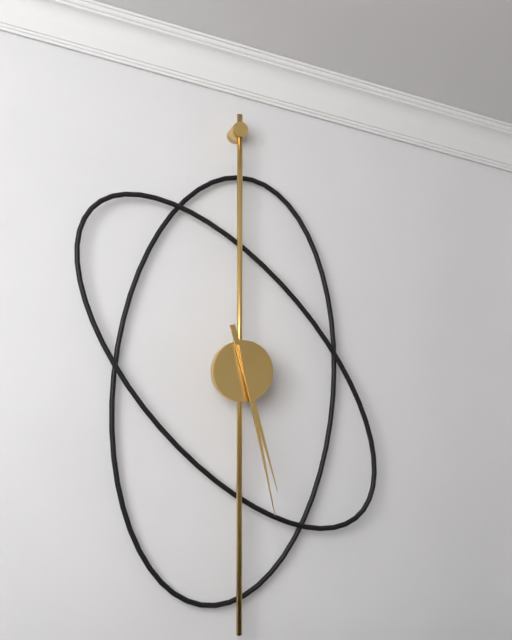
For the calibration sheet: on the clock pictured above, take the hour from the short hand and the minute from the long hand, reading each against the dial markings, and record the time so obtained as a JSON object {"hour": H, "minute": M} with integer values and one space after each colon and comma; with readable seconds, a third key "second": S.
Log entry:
{"hour": 5, "minute": 28}
